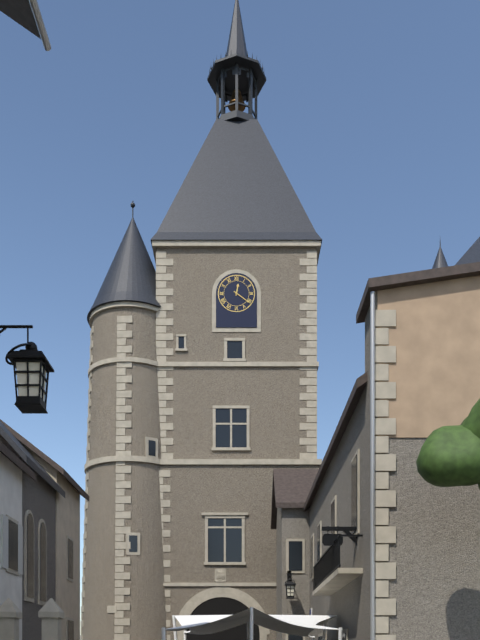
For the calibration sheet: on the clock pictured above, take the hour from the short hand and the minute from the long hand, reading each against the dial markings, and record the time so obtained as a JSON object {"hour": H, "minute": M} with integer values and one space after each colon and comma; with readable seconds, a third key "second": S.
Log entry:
{"hour": 12, "minute": 21}
